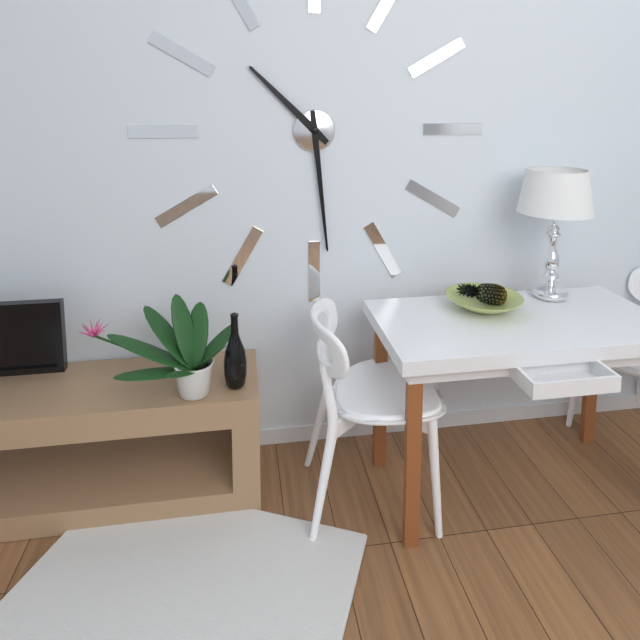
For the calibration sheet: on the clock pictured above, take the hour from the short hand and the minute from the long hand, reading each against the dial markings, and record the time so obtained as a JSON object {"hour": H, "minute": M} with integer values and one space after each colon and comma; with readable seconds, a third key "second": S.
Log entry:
{"hour": 10, "minute": 29}
